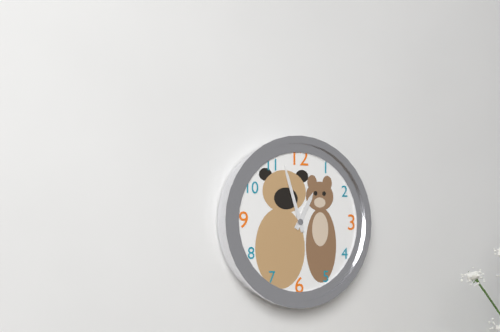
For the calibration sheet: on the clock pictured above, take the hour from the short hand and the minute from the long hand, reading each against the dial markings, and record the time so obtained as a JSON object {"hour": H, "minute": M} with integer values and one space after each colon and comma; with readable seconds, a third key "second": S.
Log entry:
{"hour": 12, "minute": 57}
